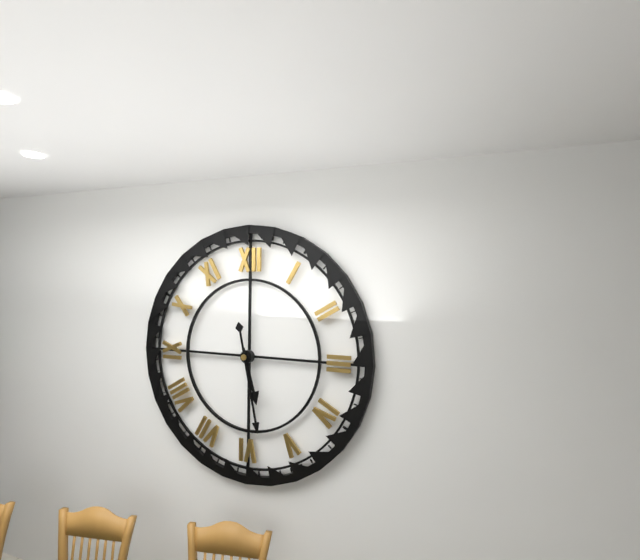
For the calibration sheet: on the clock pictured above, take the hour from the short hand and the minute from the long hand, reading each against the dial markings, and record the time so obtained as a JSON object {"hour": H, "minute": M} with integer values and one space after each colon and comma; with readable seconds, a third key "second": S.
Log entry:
{"hour": 5, "minute": 28}
